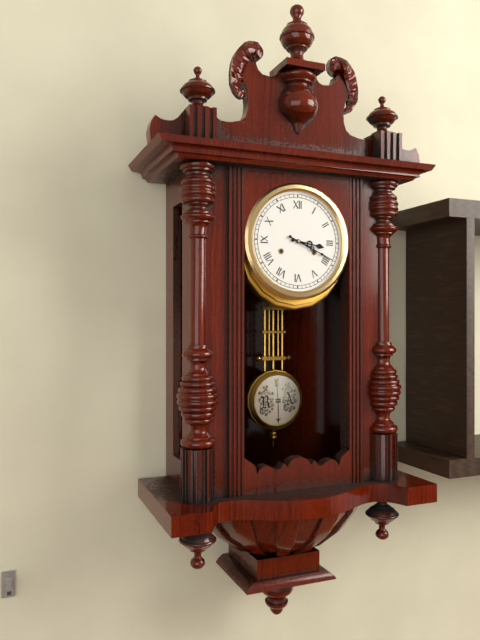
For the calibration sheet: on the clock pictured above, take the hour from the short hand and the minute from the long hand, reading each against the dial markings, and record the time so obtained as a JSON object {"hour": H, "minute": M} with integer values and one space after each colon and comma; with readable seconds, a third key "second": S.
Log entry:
{"hour": 3, "minute": 19}
